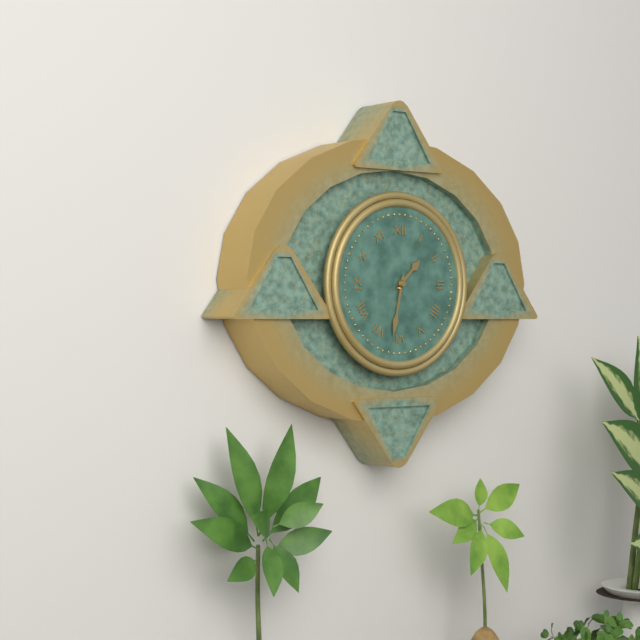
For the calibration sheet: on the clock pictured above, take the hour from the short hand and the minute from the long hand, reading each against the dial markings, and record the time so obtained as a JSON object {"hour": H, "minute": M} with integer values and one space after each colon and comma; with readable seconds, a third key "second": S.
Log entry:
{"hour": 1, "minute": 32}
